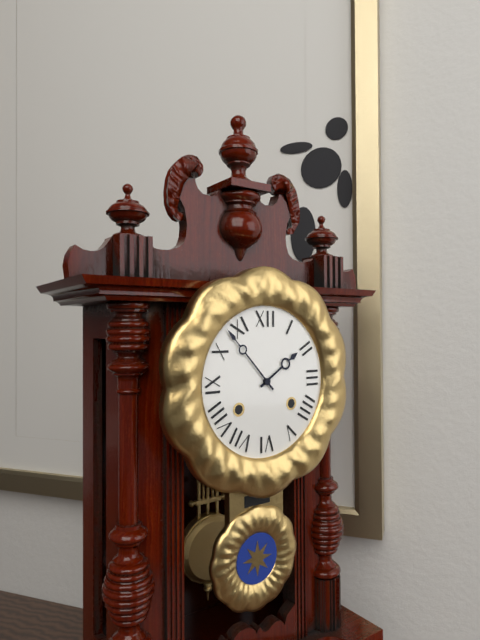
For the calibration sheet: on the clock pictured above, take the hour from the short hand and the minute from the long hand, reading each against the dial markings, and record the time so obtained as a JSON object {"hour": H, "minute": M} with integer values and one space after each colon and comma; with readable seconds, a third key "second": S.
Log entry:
{"hour": 1, "minute": 53}
